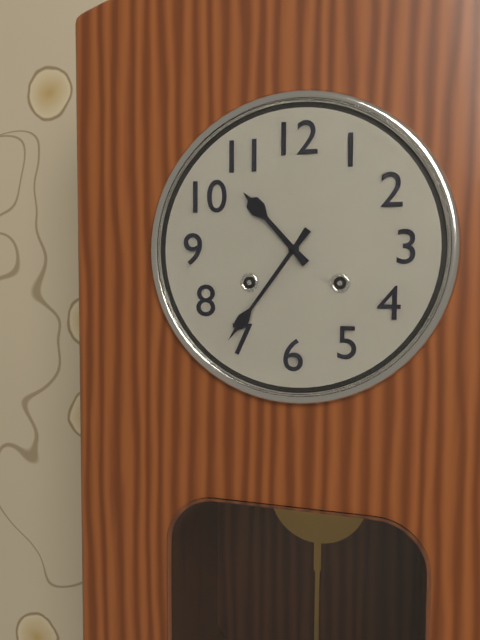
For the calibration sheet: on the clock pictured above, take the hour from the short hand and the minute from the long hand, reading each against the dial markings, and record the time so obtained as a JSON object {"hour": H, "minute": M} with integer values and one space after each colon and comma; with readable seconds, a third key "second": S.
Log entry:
{"hour": 10, "minute": 36}
